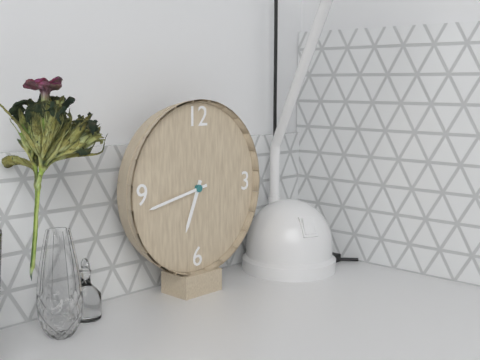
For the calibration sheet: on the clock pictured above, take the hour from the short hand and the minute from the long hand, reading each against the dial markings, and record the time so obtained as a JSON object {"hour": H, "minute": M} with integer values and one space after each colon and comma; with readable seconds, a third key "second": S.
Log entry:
{"hour": 6, "minute": 43}
